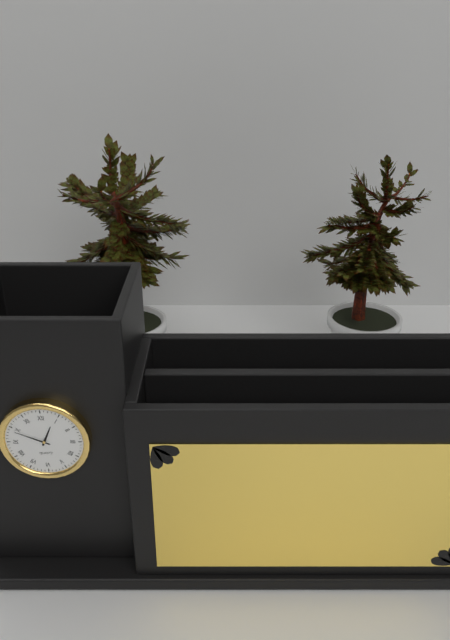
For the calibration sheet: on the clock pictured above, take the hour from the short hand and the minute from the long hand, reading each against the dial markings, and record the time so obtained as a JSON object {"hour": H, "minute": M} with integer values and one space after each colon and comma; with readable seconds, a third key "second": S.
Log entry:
{"hour": 12, "minute": 49}
